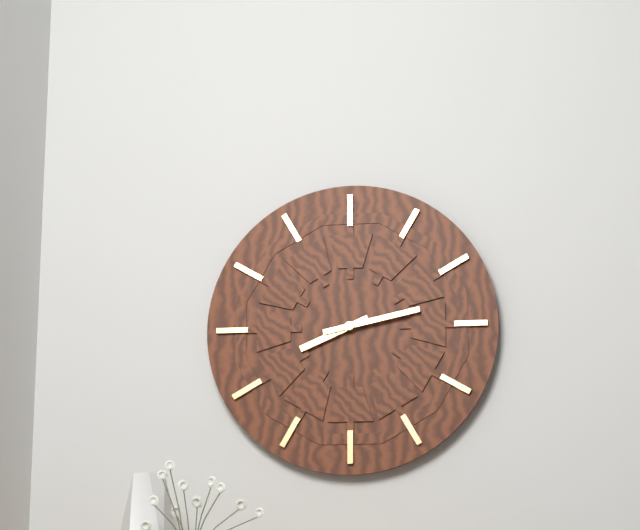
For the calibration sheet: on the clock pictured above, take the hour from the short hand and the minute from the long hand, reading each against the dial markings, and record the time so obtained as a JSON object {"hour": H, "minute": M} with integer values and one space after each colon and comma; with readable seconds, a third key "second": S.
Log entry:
{"hour": 8, "minute": 13}
